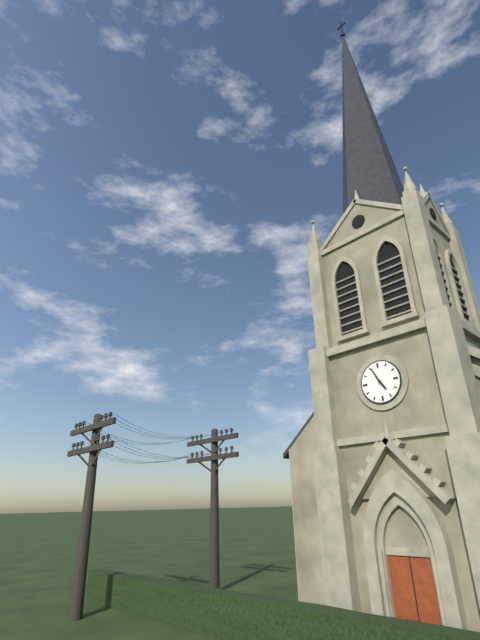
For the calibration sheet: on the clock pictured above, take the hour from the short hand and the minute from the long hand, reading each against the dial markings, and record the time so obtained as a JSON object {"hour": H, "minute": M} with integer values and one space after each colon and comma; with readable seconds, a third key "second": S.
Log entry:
{"hour": 4, "minute": 56}
